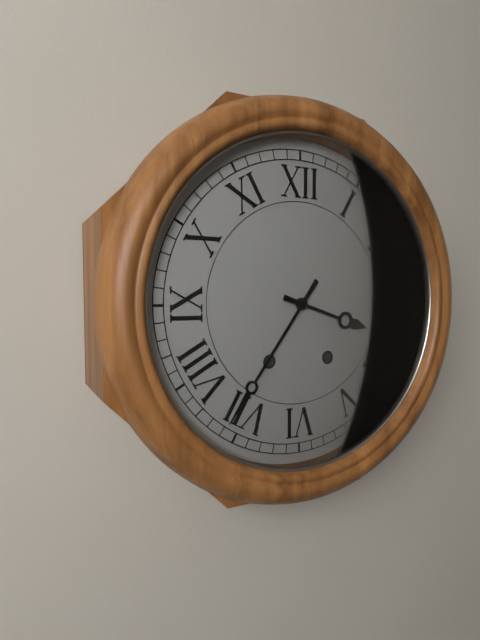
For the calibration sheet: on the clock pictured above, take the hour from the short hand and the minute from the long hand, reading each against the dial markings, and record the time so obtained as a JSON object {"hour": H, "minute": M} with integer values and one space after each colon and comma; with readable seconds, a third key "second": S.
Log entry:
{"hour": 3, "minute": 36}
